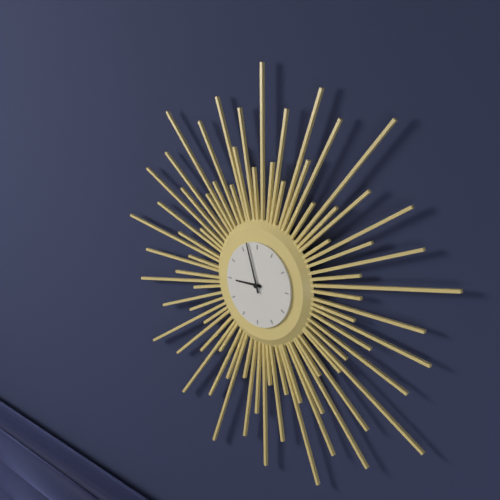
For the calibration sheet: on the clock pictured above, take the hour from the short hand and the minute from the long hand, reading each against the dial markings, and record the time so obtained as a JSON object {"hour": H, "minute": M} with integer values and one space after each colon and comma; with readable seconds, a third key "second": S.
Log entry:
{"hour": 8, "minute": 57}
